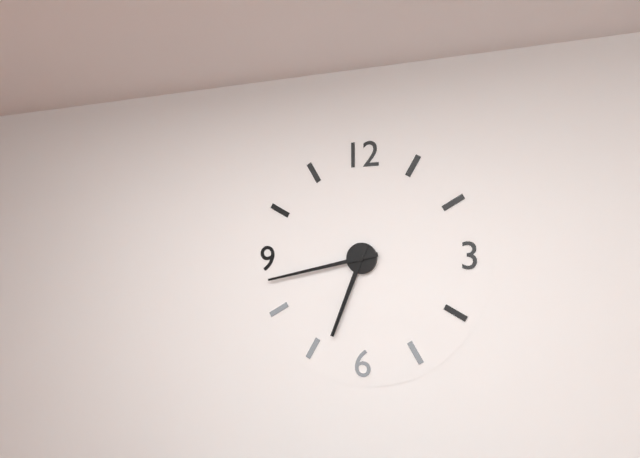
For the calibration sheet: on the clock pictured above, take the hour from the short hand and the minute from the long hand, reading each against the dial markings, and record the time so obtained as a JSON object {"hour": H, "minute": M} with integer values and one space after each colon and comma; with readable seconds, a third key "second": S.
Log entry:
{"hour": 6, "minute": 43}
